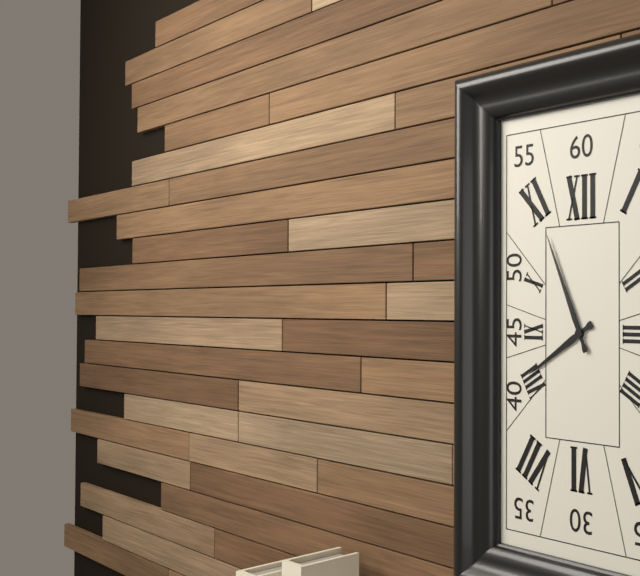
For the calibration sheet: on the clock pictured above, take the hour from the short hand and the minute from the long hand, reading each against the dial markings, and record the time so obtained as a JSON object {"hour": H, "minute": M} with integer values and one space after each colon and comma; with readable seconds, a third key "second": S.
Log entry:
{"hour": 7, "minute": 56}
